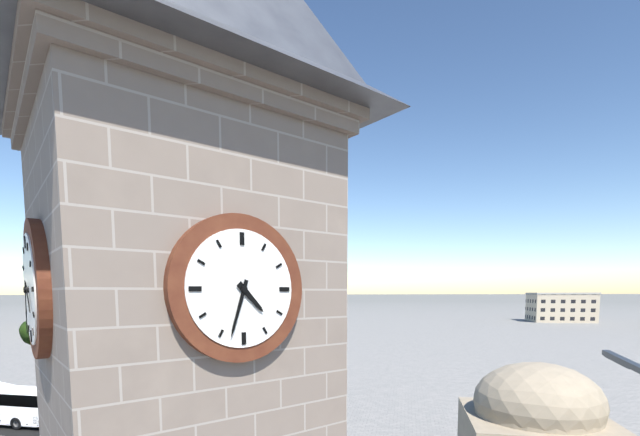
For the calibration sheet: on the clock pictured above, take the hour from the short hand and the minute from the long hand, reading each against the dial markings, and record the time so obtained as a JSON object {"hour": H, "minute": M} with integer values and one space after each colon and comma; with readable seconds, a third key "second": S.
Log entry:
{"hour": 4, "minute": 33}
